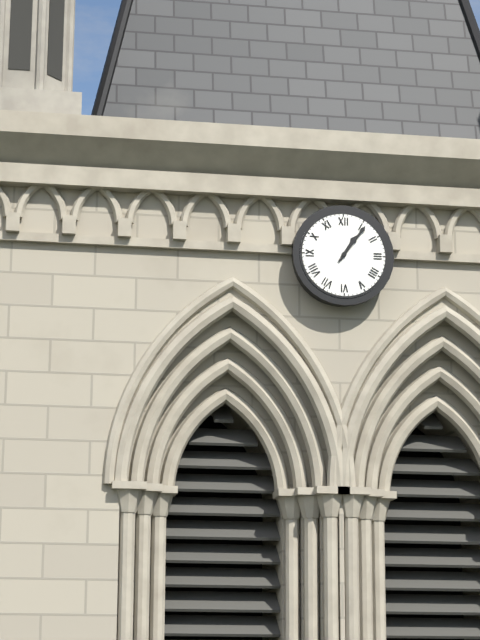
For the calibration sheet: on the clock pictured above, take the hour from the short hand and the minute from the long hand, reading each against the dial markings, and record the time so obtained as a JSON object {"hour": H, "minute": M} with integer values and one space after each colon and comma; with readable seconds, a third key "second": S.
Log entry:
{"hour": 1, "minute": 6}
